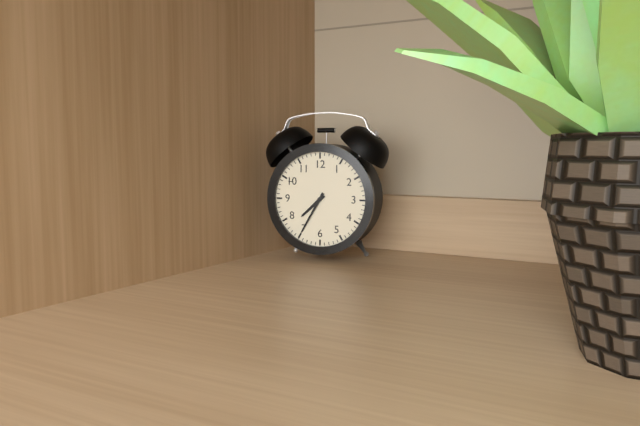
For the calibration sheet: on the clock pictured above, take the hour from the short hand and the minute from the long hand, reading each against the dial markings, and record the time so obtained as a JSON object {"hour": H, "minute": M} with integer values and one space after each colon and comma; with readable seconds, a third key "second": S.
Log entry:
{"hour": 7, "minute": 35}
